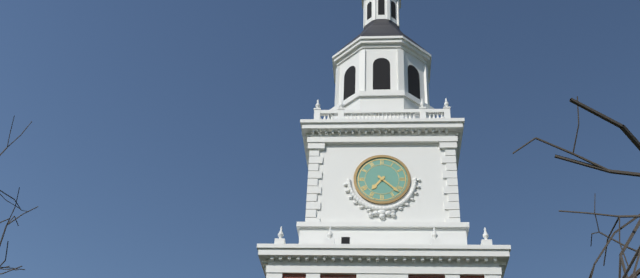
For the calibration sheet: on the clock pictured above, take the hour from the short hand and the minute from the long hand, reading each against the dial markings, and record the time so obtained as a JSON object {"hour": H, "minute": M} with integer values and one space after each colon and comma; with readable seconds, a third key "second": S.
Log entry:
{"hour": 7, "minute": 22}
